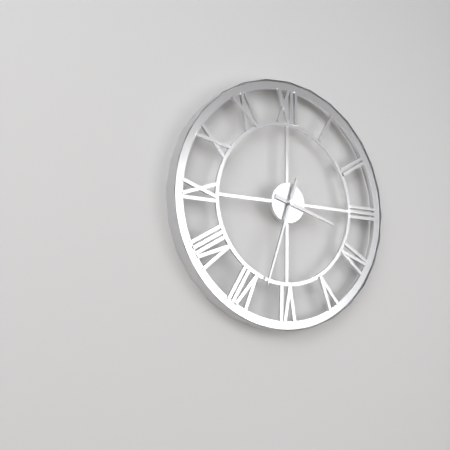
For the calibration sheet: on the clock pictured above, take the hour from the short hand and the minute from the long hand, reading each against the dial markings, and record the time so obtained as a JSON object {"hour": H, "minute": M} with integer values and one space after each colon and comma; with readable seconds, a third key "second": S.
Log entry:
{"hour": 3, "minute": 33}
